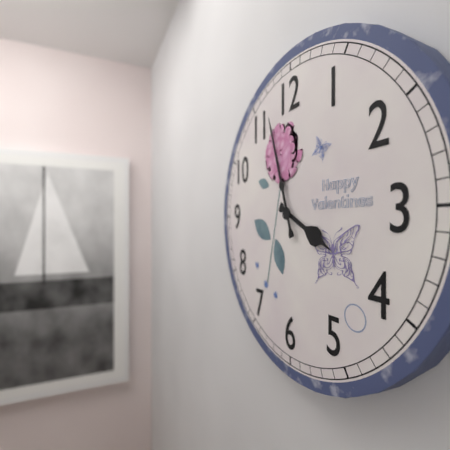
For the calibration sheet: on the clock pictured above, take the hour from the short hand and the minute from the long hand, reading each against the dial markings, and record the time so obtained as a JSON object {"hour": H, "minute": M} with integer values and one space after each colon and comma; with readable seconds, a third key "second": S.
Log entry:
{"hour": 3, "minute": 57}
